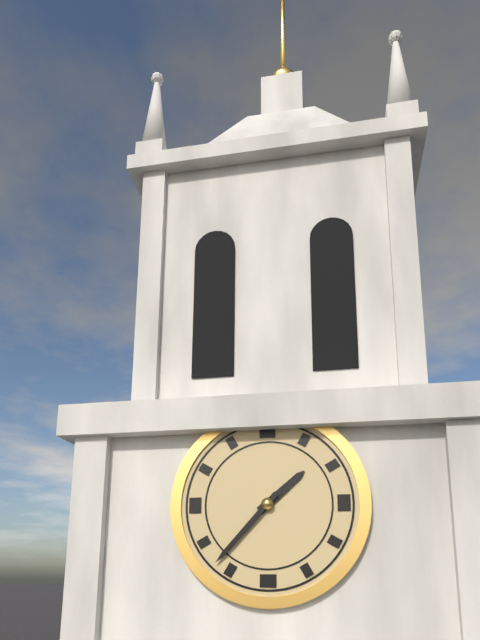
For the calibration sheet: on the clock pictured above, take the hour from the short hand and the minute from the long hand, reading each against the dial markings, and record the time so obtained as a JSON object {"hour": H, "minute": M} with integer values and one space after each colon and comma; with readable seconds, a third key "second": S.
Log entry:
{"hour": 1, "minute": 37}
